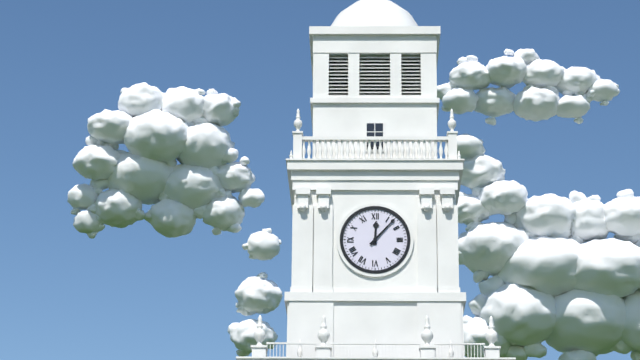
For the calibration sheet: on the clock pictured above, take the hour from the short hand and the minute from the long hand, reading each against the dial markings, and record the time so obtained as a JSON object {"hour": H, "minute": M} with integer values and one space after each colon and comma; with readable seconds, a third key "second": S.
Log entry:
{"hour": 12, "minute": 7}
